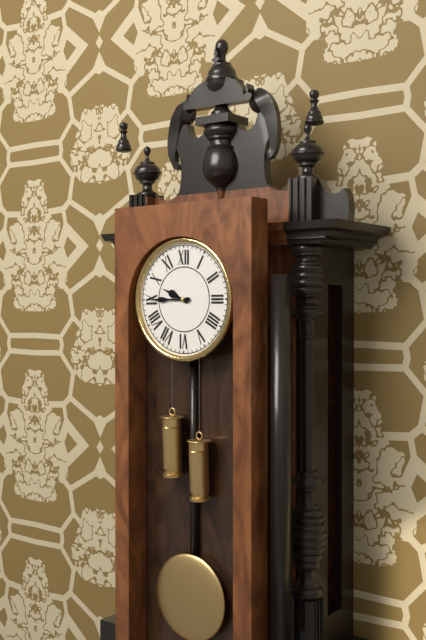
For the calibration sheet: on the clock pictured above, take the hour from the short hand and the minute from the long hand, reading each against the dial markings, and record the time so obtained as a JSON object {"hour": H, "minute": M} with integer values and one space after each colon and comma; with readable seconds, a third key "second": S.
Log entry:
{"hour": 9, "minute": 45}
